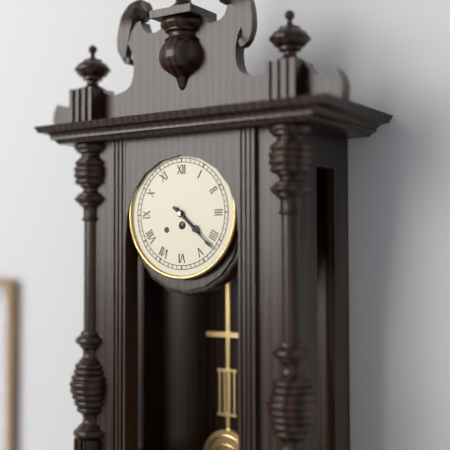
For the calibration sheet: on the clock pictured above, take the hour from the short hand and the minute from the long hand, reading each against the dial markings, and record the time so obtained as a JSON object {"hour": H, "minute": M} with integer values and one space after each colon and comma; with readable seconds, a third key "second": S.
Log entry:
{"hour": 4, "minute": 22}
